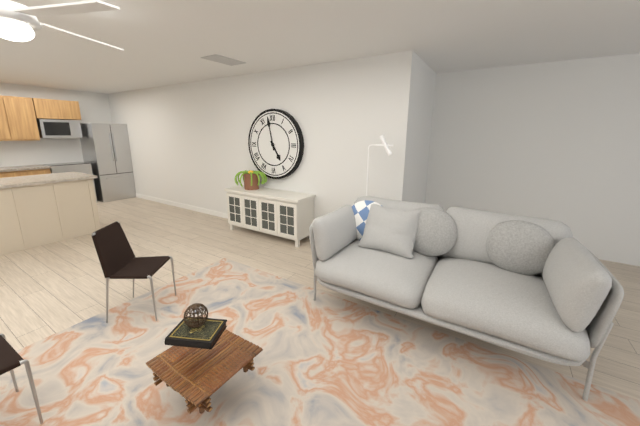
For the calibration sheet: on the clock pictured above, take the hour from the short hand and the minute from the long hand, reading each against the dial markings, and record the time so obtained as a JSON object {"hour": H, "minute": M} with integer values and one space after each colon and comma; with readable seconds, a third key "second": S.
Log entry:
{"hour": 4, "minute": 58}
